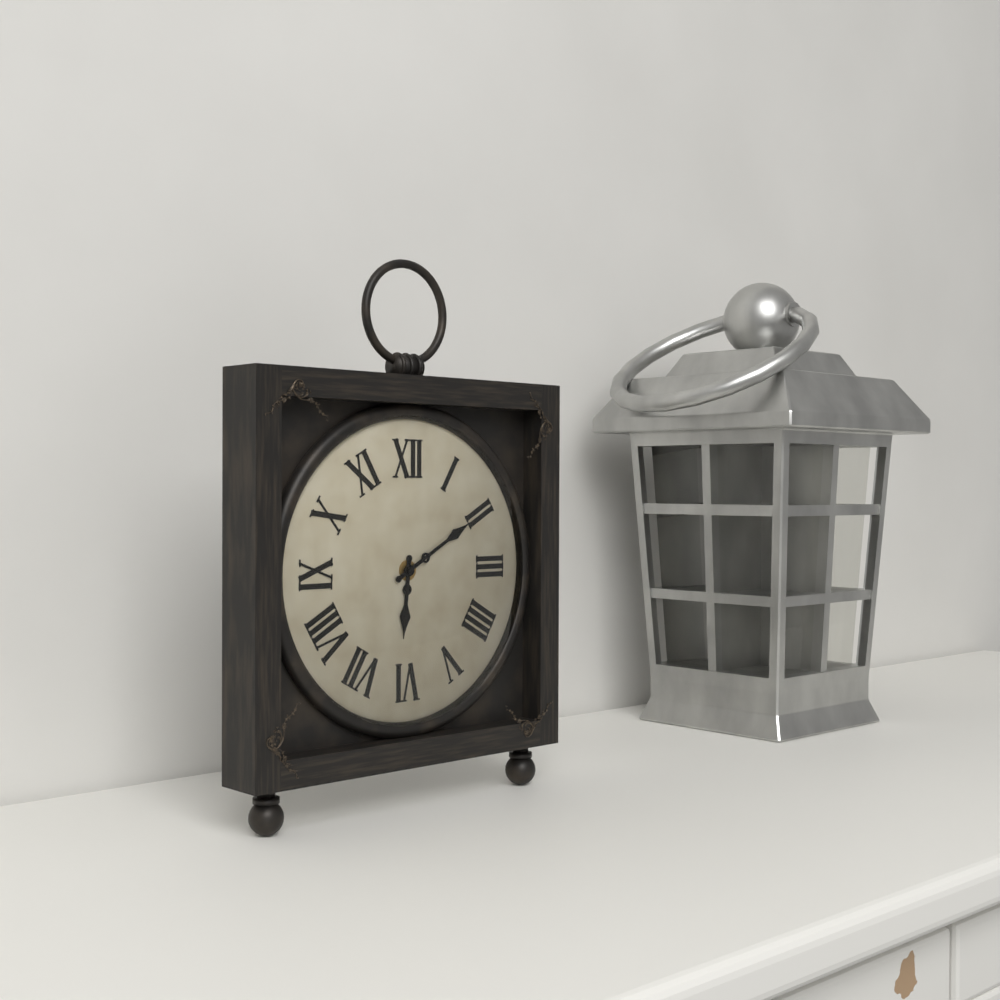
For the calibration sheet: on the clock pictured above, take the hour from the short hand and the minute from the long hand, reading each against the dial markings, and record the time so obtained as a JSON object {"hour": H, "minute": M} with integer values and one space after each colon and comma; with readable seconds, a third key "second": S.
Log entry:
{"hour": 6, "minute": 10}
